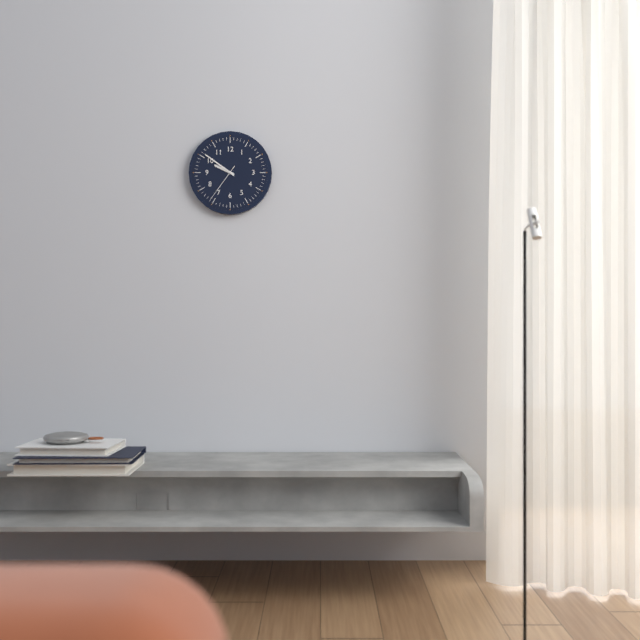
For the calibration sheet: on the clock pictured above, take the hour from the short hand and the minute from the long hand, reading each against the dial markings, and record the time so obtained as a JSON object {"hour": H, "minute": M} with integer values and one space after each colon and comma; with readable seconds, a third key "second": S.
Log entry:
{"hour": 9, "minute": 51}
